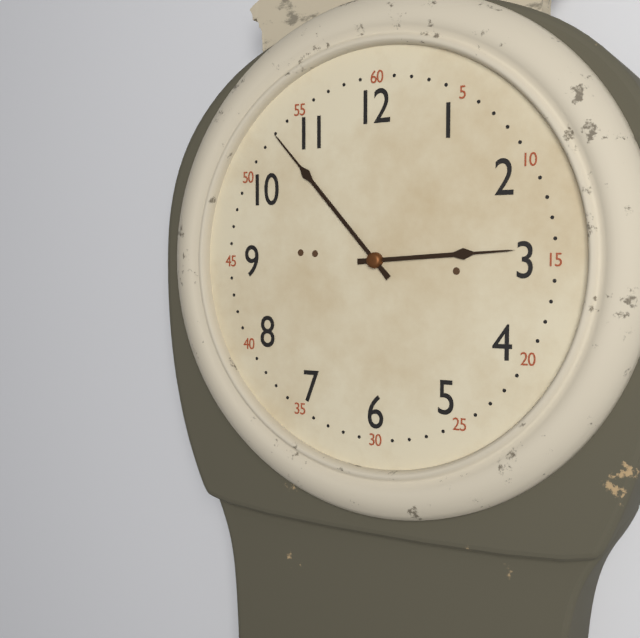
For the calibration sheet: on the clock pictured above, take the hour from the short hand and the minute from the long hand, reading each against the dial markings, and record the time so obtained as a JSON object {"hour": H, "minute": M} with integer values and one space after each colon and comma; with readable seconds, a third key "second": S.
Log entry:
{"hour": 2, "minute": 53}
